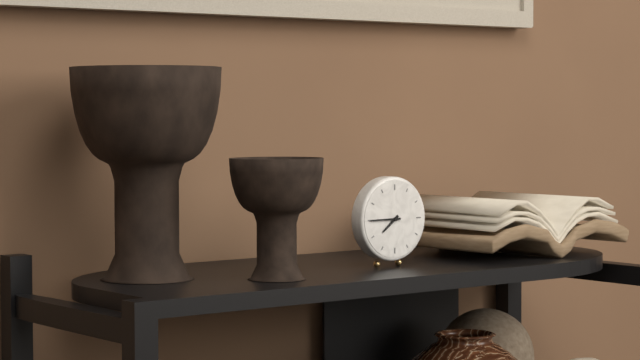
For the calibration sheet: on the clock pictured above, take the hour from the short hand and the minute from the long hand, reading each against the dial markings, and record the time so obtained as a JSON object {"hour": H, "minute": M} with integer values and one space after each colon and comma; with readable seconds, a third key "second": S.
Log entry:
{"hour": 7, "minute": 45}
